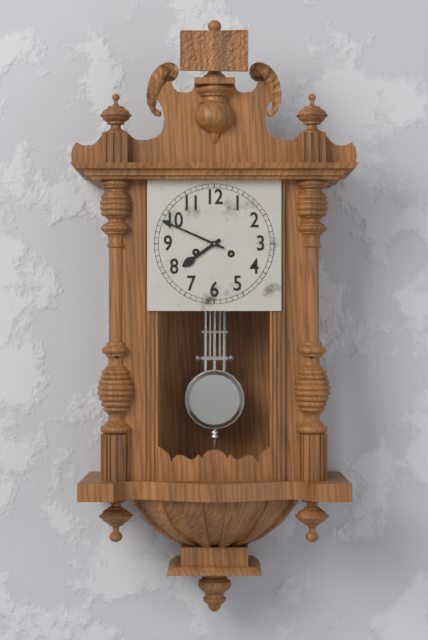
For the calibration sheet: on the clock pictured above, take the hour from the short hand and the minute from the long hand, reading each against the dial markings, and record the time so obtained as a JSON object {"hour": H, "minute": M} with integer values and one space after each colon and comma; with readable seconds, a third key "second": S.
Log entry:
{"hour": 7, "minute": 49}
